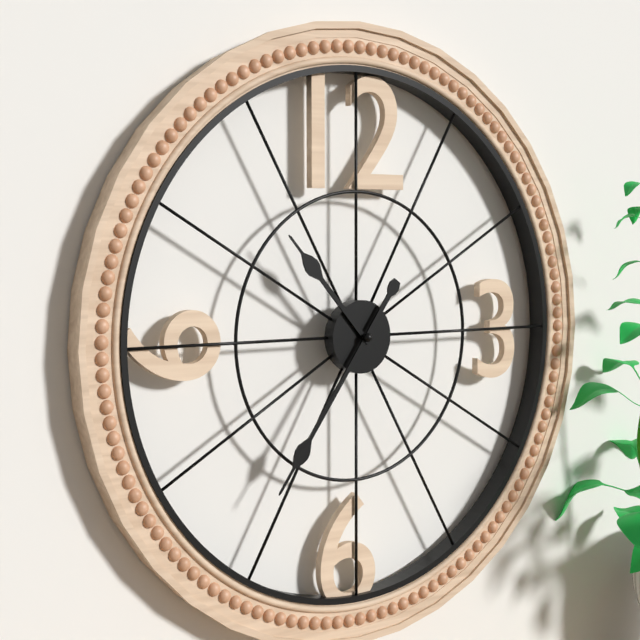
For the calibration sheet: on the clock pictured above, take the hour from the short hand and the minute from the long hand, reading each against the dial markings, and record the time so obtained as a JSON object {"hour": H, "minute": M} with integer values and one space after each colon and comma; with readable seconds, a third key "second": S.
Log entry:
{"hour": 10, "minute": 36}
